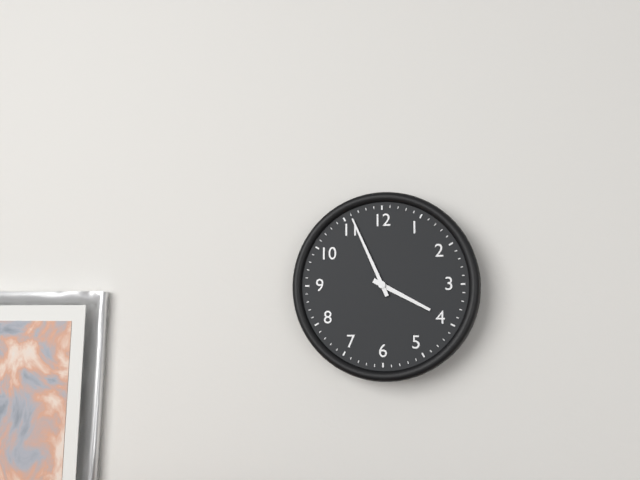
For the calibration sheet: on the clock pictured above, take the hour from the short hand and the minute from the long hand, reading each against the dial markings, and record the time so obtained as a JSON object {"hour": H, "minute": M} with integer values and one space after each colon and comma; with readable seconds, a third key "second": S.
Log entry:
{"hour": 3, "minute": 56}
